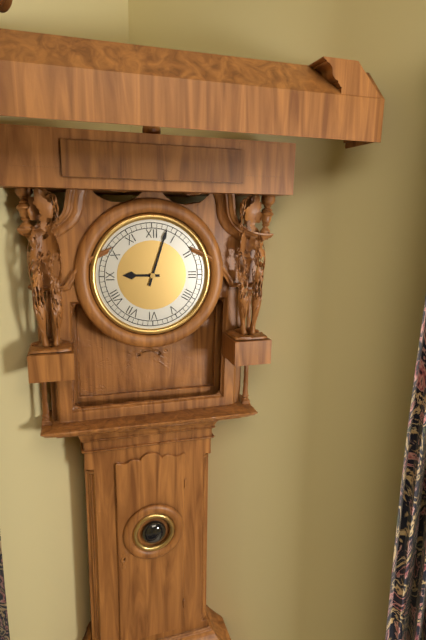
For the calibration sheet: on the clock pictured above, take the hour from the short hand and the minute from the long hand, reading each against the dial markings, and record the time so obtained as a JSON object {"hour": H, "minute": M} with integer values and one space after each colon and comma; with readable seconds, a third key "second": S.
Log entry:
{"hour": 9, "minute": 3}
